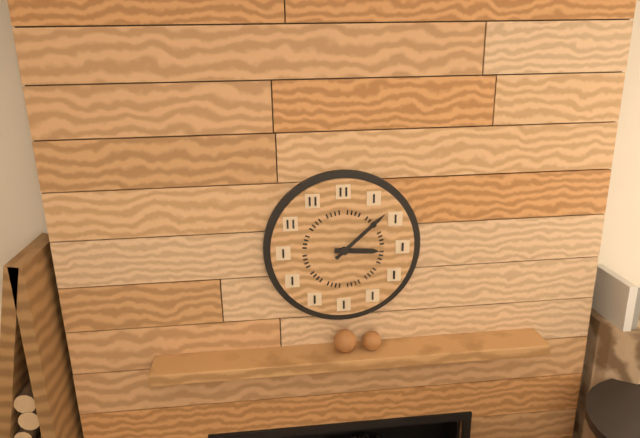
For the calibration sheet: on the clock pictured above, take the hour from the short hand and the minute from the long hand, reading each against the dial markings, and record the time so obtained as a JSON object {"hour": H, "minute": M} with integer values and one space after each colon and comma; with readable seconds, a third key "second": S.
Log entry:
{"hour": 3, "minute": 8}
